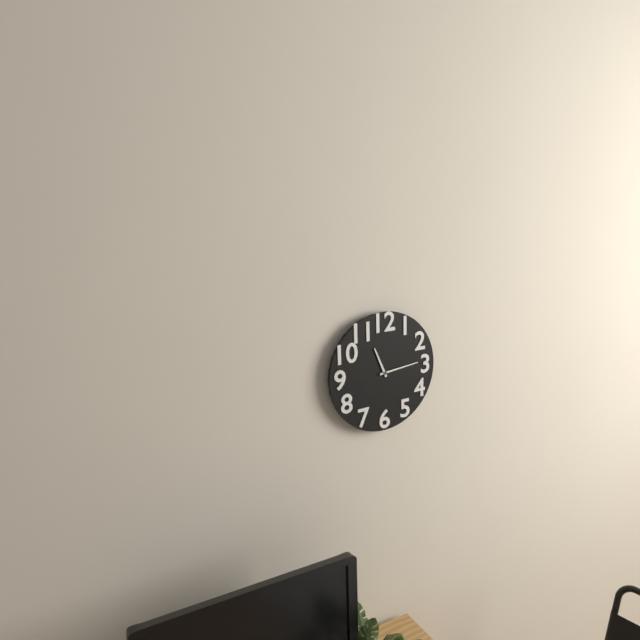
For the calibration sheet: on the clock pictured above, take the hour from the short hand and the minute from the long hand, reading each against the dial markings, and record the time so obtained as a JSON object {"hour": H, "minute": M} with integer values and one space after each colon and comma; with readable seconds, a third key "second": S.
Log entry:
{"hour": 11, "minute": 14}
